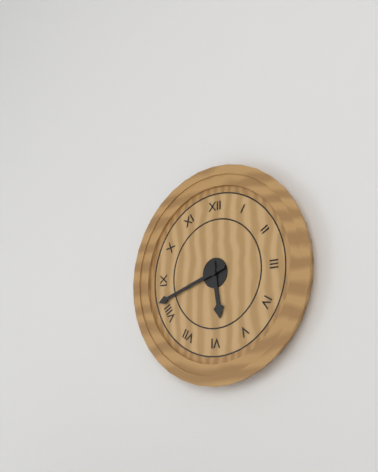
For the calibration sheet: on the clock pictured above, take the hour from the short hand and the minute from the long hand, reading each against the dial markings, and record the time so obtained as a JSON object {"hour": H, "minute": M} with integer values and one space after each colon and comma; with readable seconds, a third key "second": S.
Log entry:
{"hour": 5, "minute": 42}
